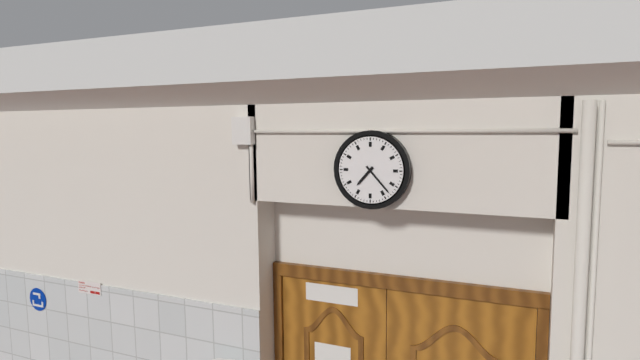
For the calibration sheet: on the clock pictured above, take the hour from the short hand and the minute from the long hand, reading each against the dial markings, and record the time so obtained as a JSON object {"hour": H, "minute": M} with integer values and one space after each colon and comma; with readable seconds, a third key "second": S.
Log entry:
{"hour": 7, "minute": 23}
